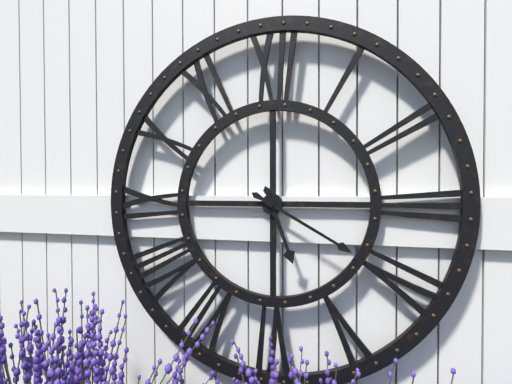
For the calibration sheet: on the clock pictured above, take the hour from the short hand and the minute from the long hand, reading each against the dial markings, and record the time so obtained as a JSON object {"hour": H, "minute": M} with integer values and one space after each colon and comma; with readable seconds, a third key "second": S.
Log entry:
{"hour": 5, "minute": 20}
